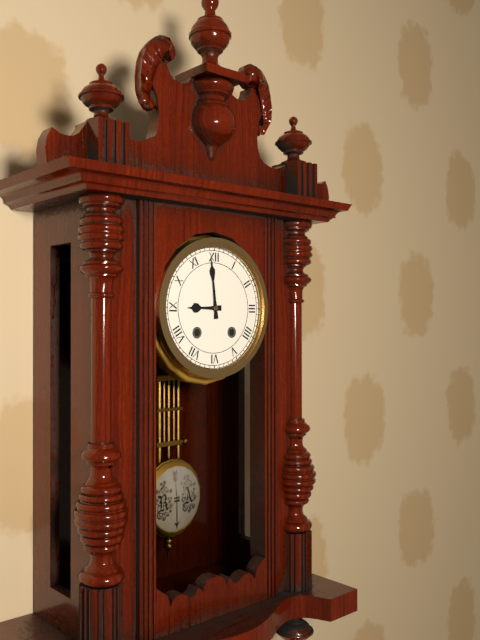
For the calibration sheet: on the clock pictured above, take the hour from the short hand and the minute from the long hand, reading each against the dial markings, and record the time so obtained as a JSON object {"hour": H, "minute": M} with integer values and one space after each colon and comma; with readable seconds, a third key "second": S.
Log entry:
{"hour": 8, "minute": 59}
